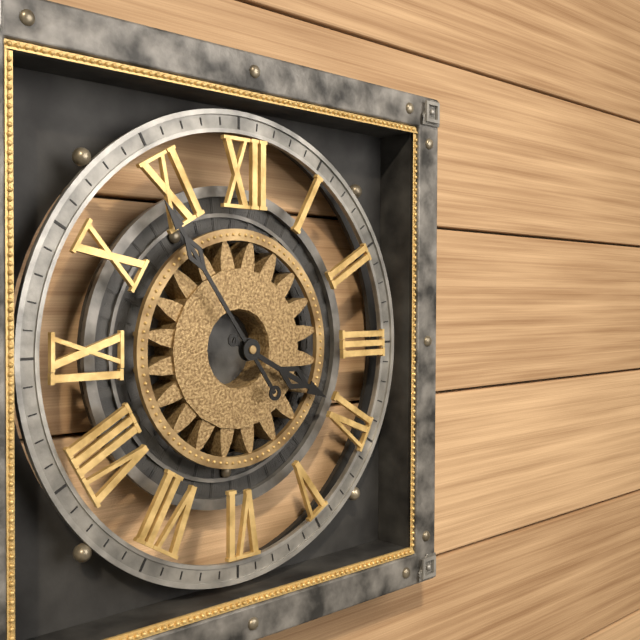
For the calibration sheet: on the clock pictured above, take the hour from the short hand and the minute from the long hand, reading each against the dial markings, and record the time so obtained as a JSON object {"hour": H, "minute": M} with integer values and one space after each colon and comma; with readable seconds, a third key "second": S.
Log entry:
{"hour": 3, "minute": 54}
